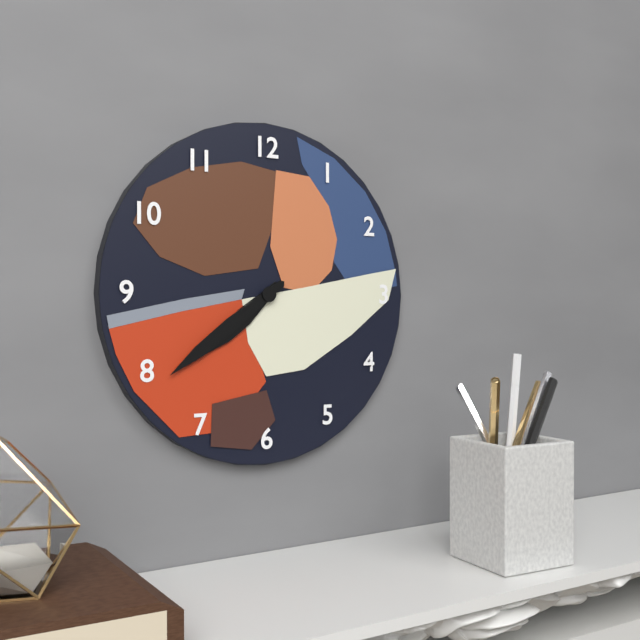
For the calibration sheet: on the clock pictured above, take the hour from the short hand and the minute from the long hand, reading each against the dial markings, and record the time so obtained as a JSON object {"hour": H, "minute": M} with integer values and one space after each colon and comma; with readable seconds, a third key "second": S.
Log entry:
{"hour": 7, "minute": 39}
